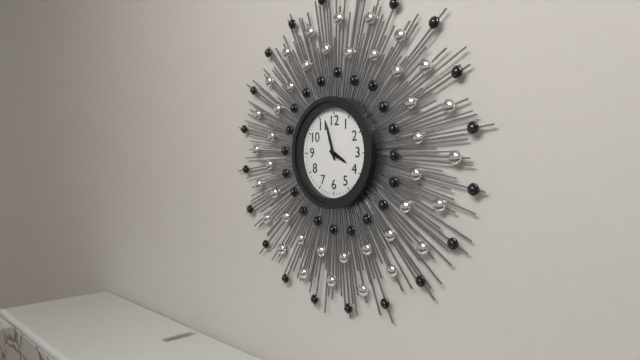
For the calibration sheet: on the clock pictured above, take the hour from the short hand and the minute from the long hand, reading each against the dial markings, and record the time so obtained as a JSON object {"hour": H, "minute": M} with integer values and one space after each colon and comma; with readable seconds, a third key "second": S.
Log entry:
{"hour": 3, "minute": 57}
